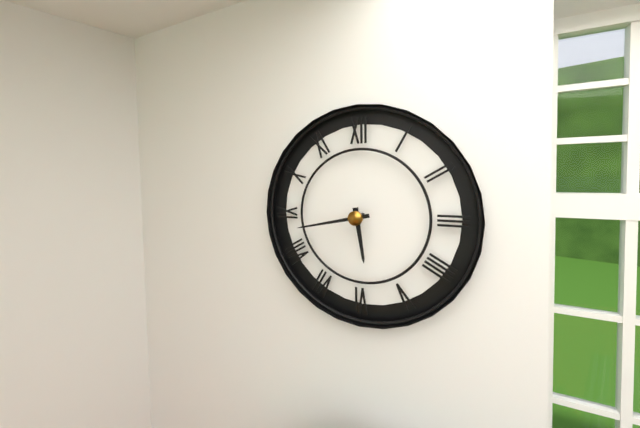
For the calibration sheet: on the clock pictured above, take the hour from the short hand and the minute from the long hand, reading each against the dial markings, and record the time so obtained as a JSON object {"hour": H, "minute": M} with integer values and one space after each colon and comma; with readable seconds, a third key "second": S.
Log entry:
{"hour": 5, "minute": 43}
